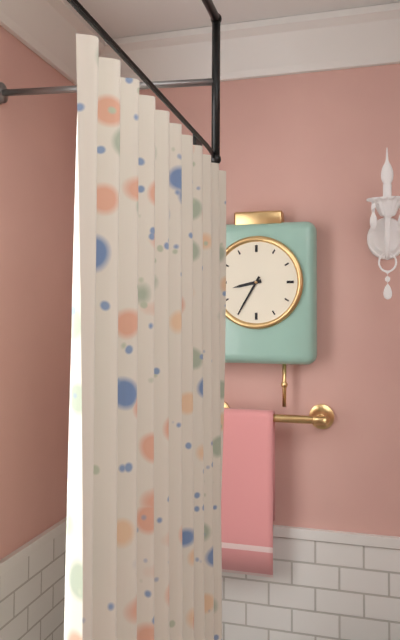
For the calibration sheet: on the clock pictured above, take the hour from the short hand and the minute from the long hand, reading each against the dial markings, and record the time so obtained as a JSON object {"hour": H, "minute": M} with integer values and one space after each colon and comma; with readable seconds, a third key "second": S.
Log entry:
{"hour": 8, "minute": 35}
